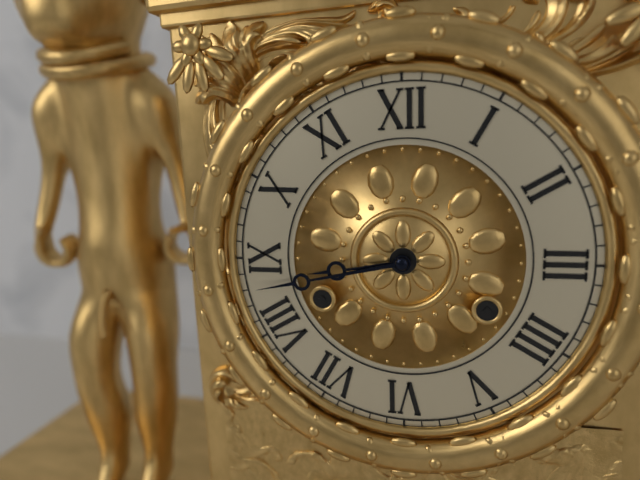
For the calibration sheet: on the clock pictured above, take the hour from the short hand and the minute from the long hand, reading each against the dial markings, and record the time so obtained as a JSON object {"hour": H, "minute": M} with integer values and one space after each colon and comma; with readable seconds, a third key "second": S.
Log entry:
{"hour": 8, "minute": 43}
